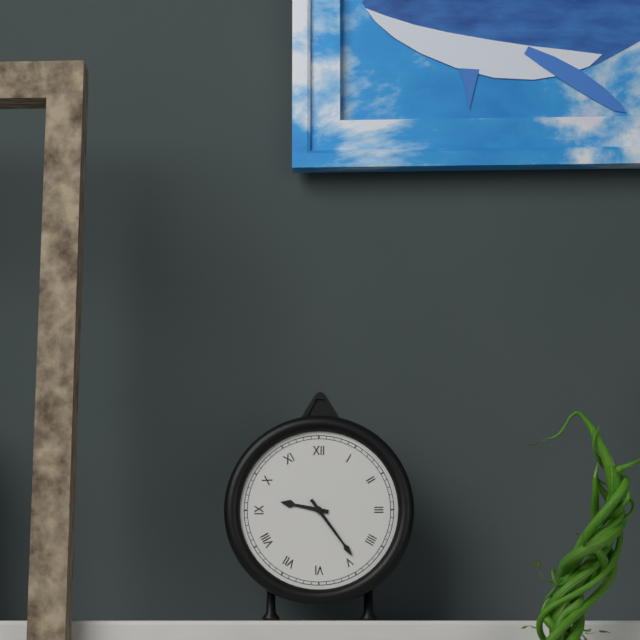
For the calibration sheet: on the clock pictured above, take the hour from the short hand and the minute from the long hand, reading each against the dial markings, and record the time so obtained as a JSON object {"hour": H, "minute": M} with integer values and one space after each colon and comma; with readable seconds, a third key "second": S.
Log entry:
{"hour": 9, "minute": 24}
